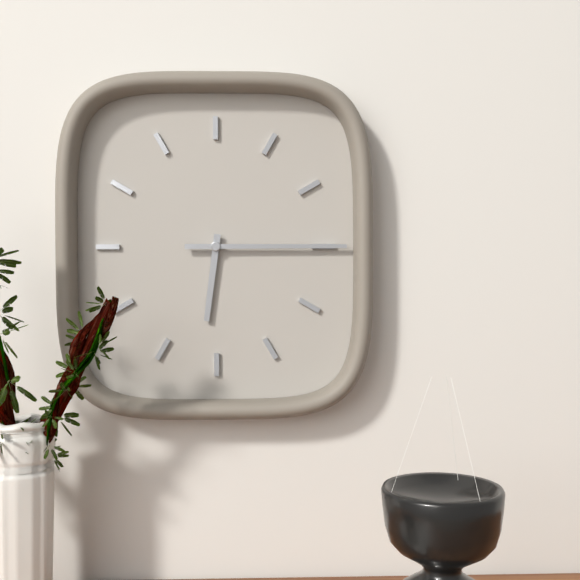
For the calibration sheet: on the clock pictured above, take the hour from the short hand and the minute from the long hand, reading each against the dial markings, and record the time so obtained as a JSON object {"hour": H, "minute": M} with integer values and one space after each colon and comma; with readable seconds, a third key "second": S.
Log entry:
{"hour": 6, "minute": 15}
